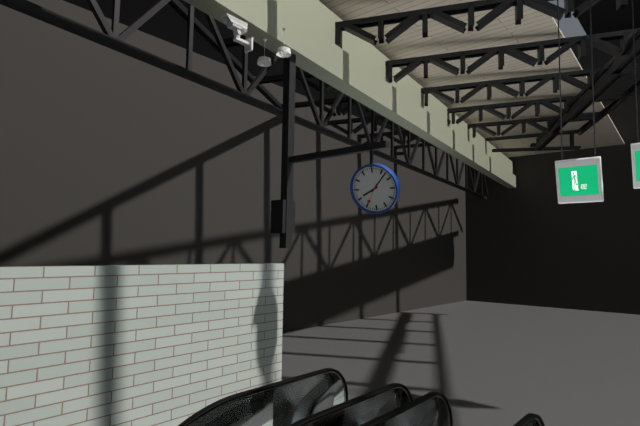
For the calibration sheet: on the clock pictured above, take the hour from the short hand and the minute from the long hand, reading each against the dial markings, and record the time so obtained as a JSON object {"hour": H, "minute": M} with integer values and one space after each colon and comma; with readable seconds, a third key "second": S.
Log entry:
{"hour": 8, "minute": 7}
